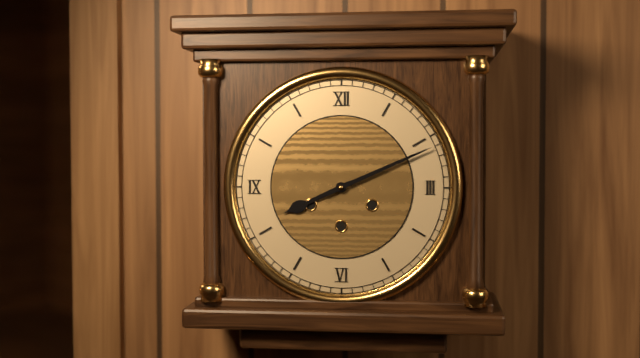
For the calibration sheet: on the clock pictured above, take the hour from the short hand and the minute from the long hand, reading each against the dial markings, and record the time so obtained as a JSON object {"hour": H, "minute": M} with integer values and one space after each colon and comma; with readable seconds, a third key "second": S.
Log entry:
{"hour": 8, "minute": 11}
